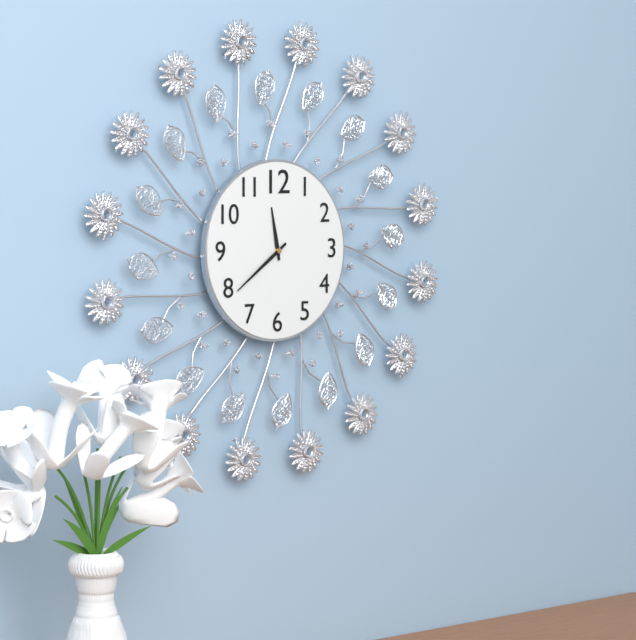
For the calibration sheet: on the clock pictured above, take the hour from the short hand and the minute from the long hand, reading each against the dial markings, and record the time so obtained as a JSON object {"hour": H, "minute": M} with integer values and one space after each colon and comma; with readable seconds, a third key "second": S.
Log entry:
{"hour": 11, "minute": 39}
